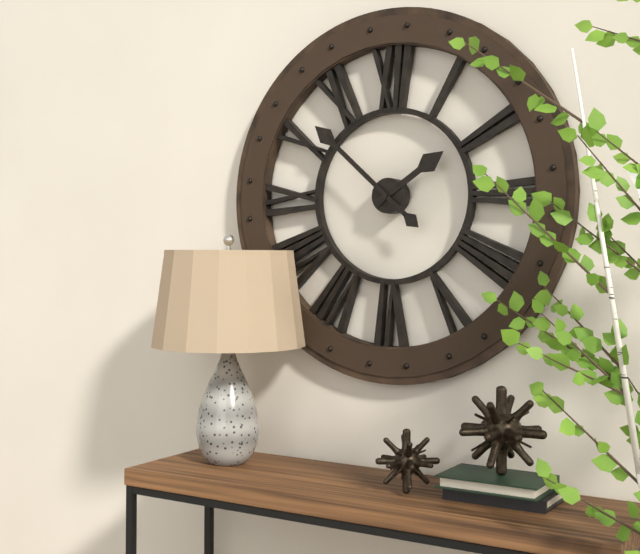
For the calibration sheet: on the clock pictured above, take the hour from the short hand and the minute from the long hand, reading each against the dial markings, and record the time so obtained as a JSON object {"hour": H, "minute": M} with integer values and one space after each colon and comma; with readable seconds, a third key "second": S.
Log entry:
{"hour": 1, "minute": 52}
